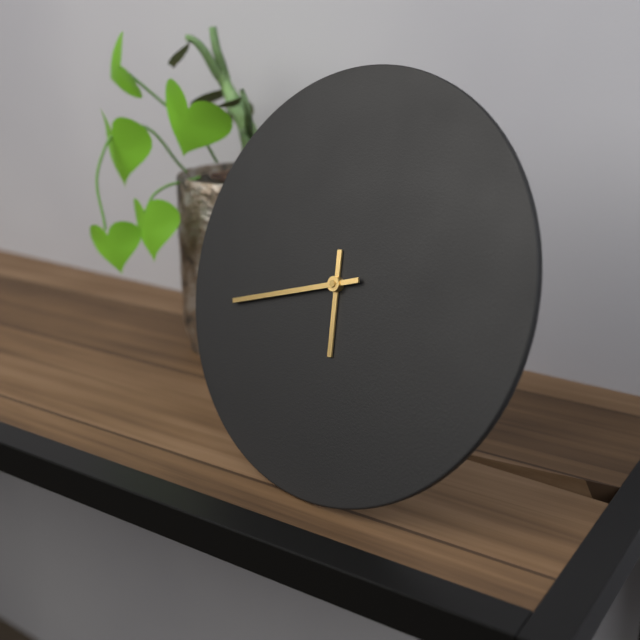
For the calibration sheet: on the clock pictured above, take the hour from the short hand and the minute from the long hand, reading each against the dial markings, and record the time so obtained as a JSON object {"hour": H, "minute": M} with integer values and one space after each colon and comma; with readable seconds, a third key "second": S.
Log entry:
{"hour": 5, "minute": 42}
